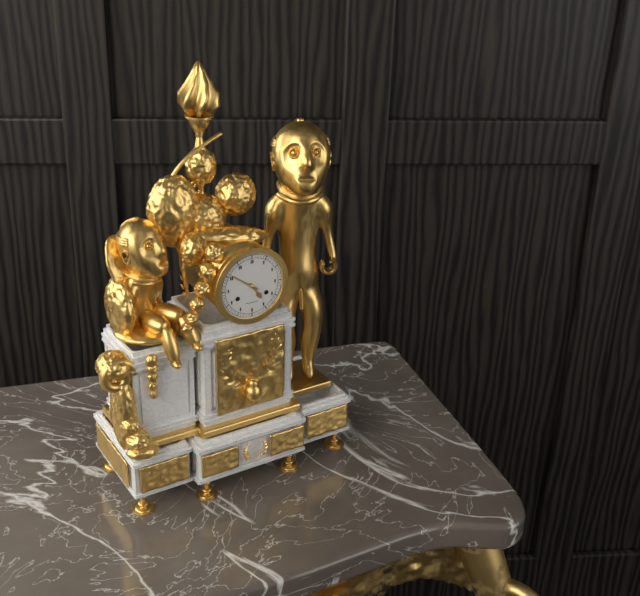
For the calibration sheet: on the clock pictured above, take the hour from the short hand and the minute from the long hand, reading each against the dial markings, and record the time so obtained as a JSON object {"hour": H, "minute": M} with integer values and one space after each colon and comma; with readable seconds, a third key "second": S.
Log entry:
{"hour": 4, "minute": 51}
